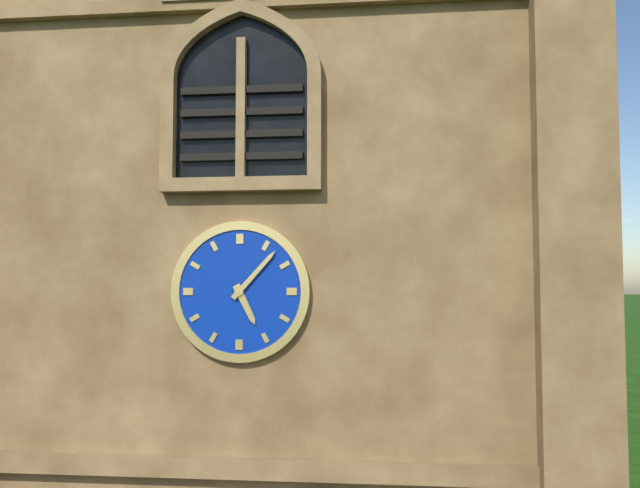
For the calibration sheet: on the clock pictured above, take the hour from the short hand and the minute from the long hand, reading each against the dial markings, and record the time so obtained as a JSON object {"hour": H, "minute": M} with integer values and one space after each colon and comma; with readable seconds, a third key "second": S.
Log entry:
{"hour": 5, "minute": 7}
